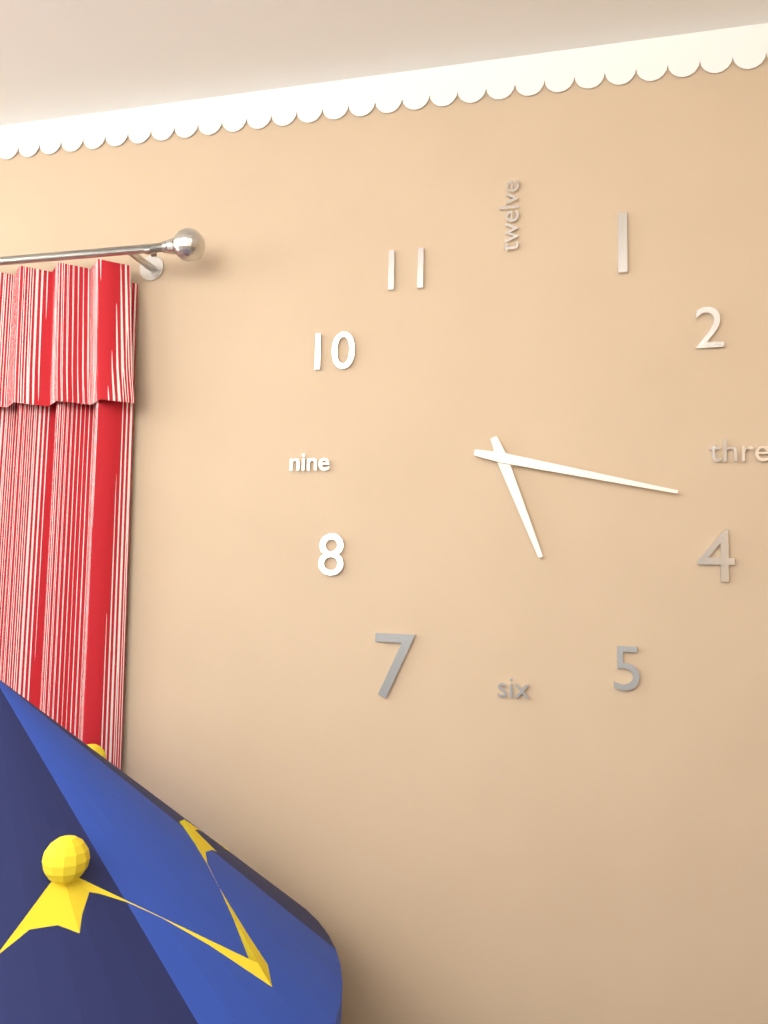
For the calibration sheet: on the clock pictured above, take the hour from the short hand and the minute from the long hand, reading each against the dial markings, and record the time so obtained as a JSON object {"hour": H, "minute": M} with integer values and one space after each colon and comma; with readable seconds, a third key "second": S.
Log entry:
{"hour": 5, "minute": 17}
